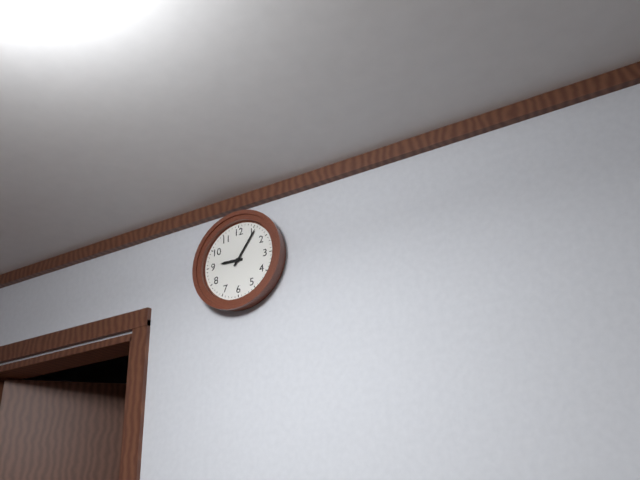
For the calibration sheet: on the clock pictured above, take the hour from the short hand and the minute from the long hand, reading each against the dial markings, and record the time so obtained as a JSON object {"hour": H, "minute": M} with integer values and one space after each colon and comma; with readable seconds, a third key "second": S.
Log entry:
{"hour": 9, "minute": 6}
